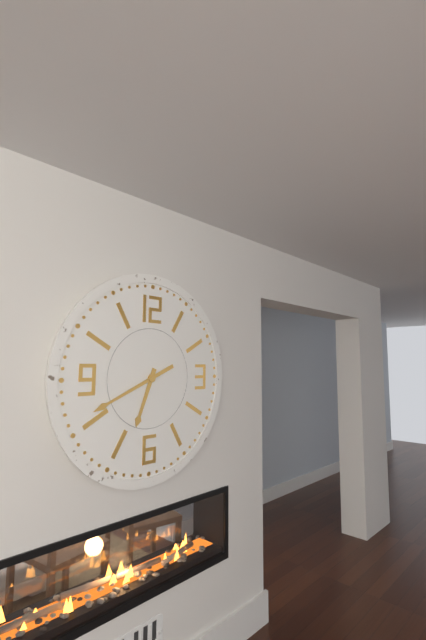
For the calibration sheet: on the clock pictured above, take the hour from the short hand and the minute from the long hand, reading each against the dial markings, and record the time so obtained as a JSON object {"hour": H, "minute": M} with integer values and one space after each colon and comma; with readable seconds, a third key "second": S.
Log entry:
{"hour": 6, "minute": 41}
